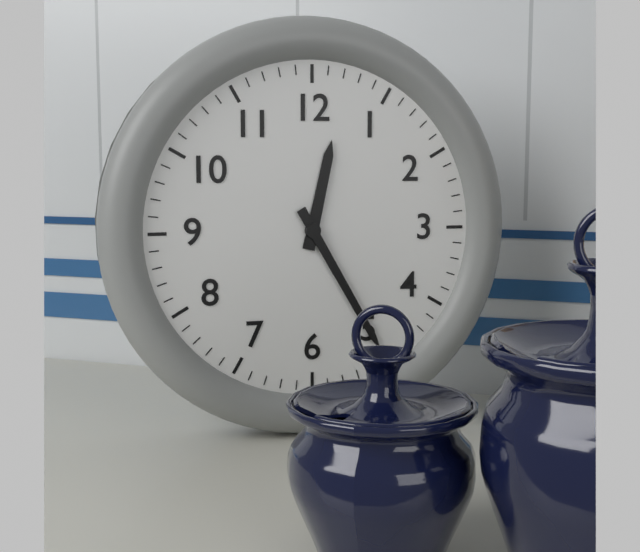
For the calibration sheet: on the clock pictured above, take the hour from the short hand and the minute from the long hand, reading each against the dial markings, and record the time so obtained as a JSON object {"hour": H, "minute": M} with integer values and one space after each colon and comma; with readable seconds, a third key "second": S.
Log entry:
{"hour": 12, "minute": 25}
